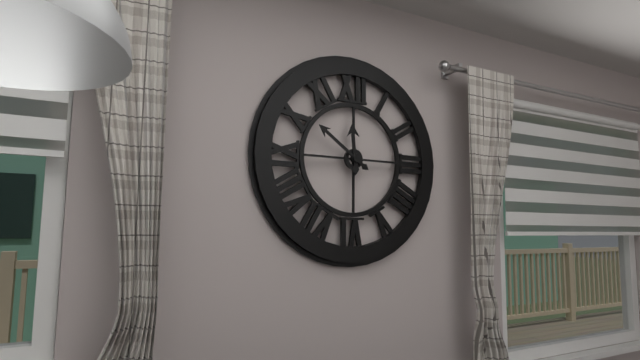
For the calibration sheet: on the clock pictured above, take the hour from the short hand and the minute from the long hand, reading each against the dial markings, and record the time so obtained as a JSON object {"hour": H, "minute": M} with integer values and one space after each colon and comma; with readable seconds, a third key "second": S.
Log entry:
{"hour": 11, "minute": 51}
